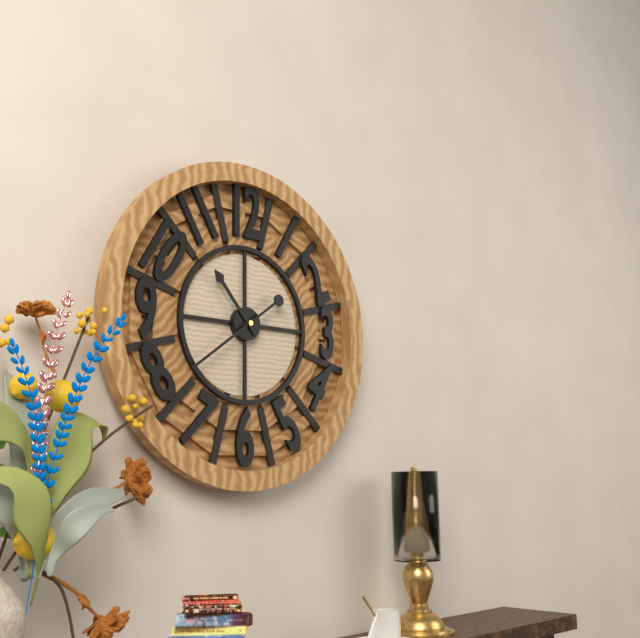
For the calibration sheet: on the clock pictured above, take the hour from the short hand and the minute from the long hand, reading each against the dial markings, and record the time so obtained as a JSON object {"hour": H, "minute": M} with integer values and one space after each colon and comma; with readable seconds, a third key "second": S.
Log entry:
{"hour": 10, "minute": 39}
